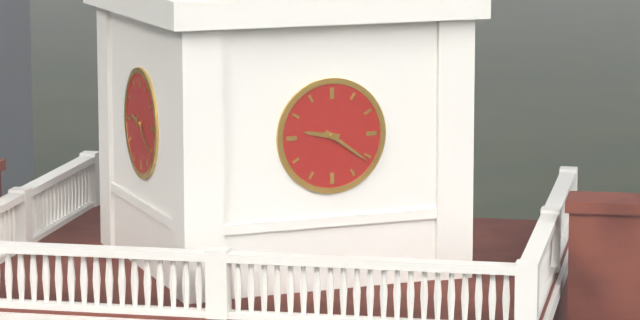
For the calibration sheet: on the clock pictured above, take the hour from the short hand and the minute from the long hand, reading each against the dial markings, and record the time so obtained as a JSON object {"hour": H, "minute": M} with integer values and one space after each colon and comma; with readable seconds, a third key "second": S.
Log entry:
{"hour": 9, "minute": 21}
